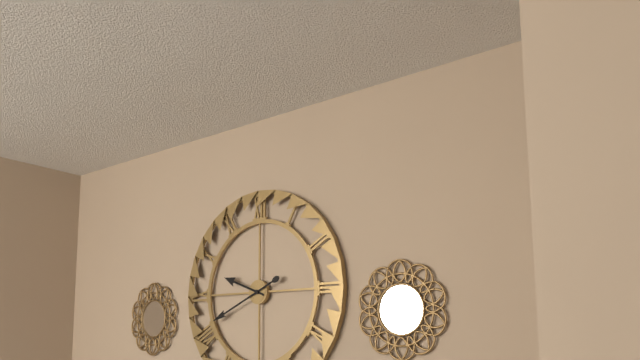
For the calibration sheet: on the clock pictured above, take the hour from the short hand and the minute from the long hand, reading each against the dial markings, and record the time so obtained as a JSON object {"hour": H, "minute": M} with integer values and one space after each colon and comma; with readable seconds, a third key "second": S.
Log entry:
{"hour": 9, "minute": 41}
